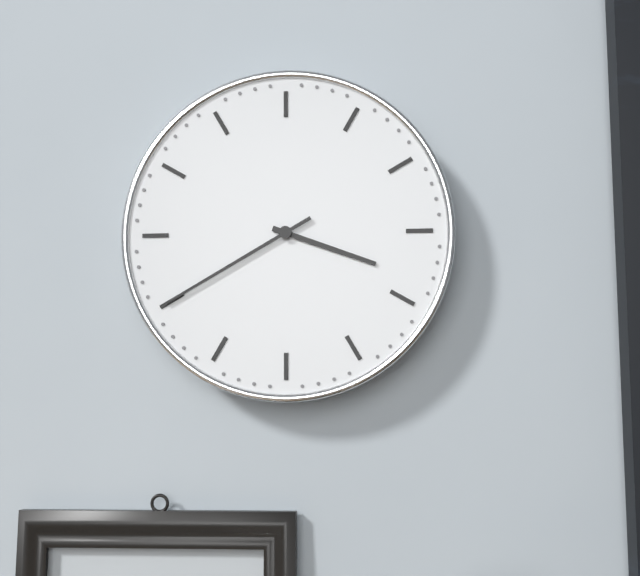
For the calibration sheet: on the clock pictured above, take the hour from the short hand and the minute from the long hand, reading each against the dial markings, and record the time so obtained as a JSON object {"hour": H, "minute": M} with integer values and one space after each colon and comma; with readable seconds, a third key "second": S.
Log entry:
{"hour": 3, "minute": 40}
